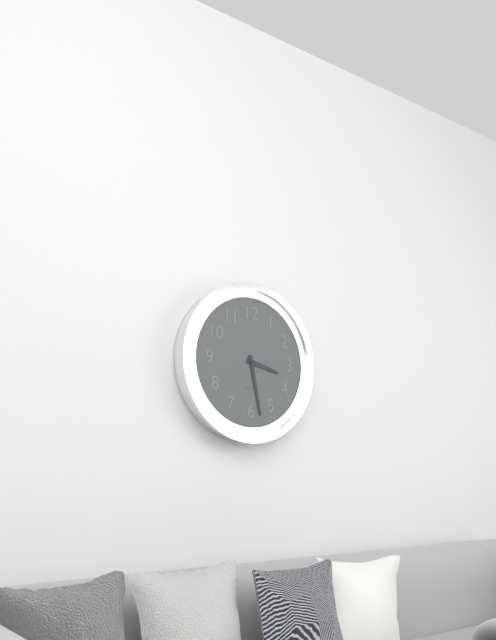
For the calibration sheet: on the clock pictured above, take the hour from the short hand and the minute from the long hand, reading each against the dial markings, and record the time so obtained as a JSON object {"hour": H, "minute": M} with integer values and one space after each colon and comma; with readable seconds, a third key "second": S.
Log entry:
{"hour": 3, "minute": 28}
